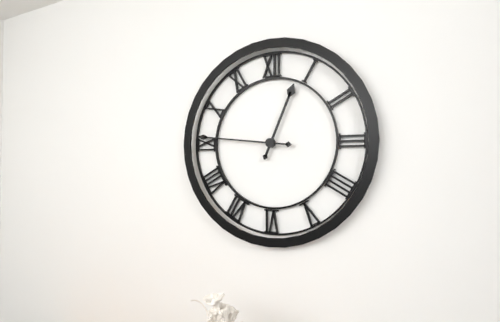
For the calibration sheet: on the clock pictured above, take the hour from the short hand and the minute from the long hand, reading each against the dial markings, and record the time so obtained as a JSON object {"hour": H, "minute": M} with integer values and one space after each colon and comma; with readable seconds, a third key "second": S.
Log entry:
{"hour": 12, "minute": 46}
